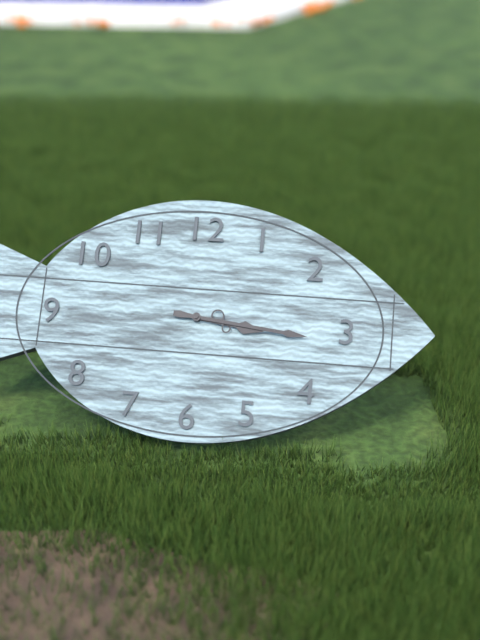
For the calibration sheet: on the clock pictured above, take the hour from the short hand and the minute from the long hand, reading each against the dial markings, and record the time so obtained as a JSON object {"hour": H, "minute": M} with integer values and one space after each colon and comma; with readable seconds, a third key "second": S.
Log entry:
{"hour": 3, "minute": 16}
